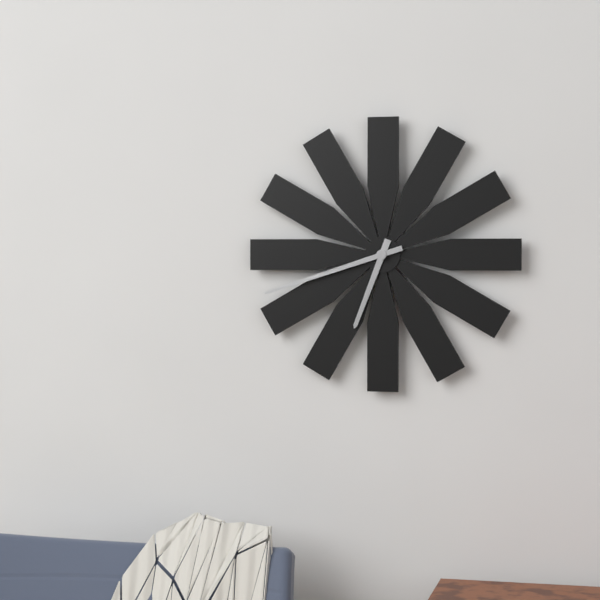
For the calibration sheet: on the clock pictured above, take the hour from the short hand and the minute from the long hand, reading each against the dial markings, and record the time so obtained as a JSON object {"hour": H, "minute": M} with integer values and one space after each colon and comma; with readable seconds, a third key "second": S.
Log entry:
{"hour": 6, "minute": 42}
